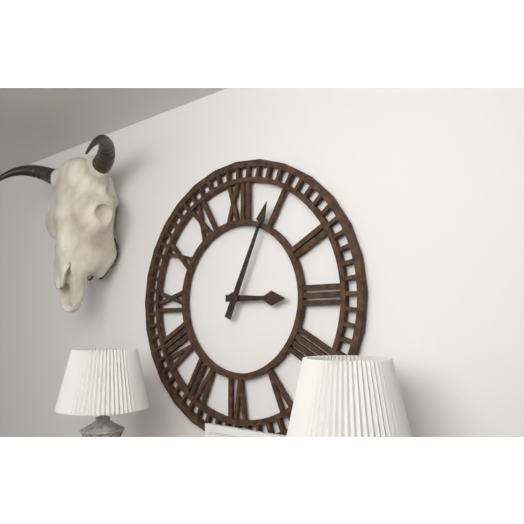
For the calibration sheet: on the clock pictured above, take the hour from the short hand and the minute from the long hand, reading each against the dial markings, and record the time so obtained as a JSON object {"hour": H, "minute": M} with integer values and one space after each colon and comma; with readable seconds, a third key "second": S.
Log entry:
{"hour": 3, "minute": 4}
